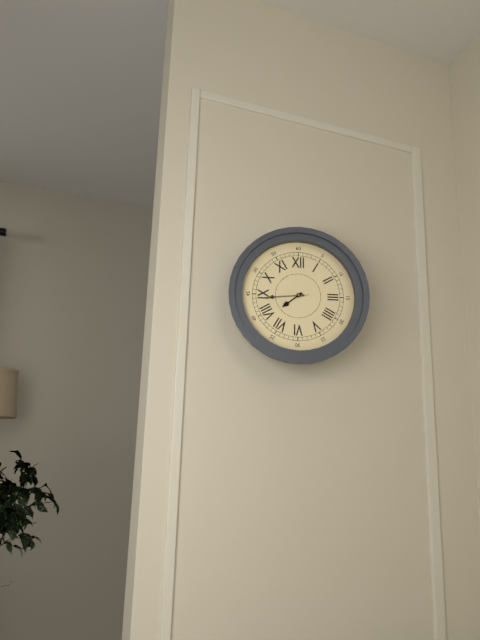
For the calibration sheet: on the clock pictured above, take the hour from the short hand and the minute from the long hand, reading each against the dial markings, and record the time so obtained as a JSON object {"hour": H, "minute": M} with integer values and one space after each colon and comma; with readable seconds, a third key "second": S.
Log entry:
{"hour": 7, "minute": 44}
